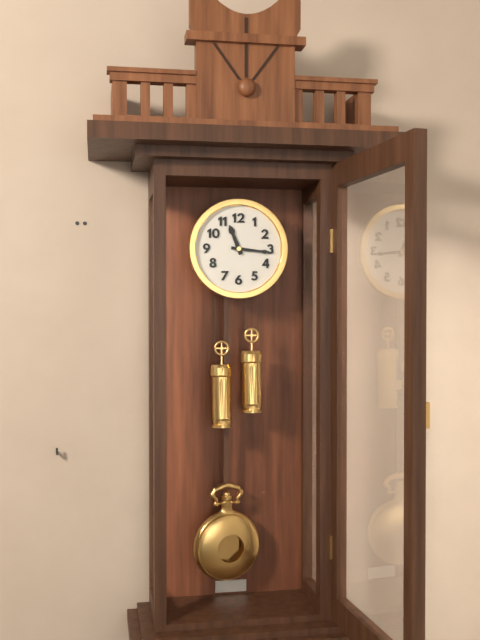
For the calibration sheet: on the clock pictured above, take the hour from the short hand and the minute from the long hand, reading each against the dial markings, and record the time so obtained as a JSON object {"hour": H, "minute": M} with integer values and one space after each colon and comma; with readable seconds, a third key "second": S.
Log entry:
{"hour": 11, "minute": 16}
